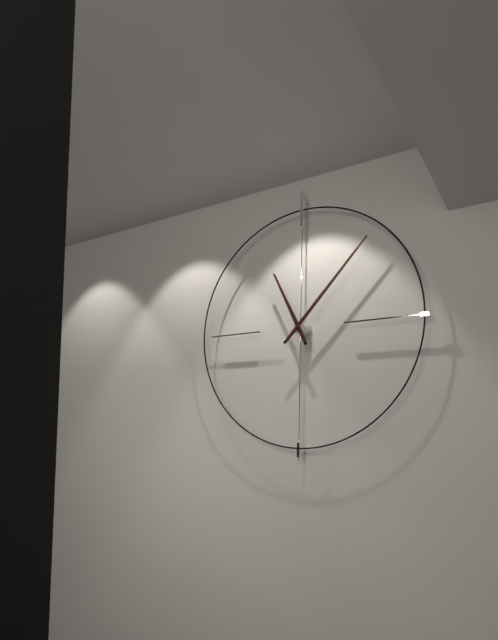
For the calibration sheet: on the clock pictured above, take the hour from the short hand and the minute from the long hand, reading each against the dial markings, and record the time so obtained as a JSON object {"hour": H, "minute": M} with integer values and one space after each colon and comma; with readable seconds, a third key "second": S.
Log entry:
{"hour": 11, "minute": 7}
